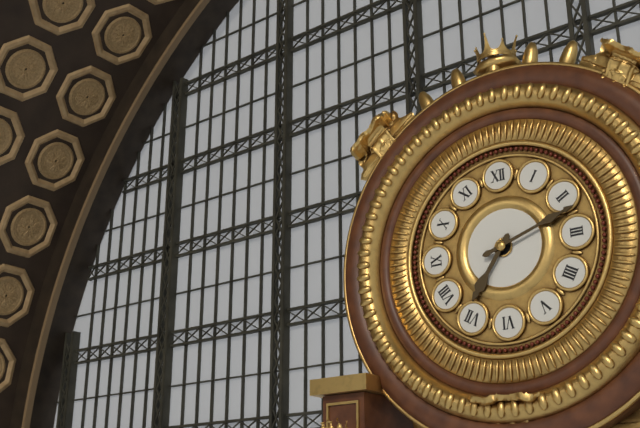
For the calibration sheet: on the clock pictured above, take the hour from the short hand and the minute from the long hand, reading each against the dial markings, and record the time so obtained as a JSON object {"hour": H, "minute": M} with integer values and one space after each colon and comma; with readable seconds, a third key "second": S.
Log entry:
{"hour": 7, "minute": 12}
